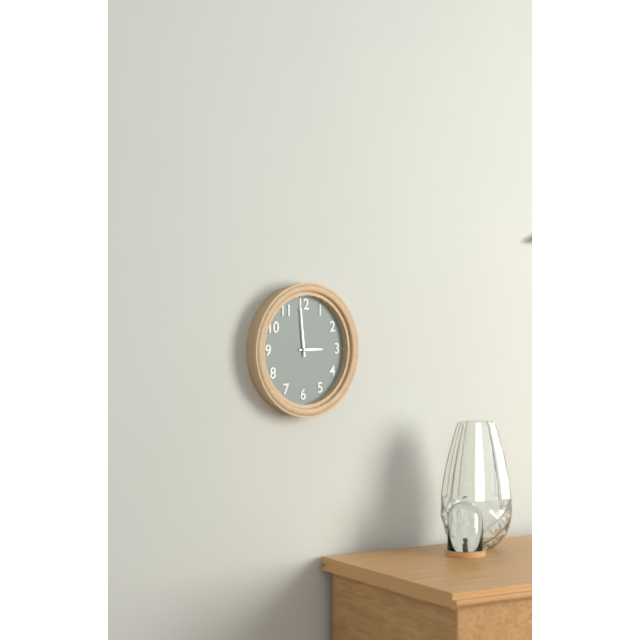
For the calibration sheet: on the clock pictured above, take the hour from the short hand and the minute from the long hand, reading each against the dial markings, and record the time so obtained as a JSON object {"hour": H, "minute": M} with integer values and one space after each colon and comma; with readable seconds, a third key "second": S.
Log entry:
{"hour": 2, "minute": 59}
